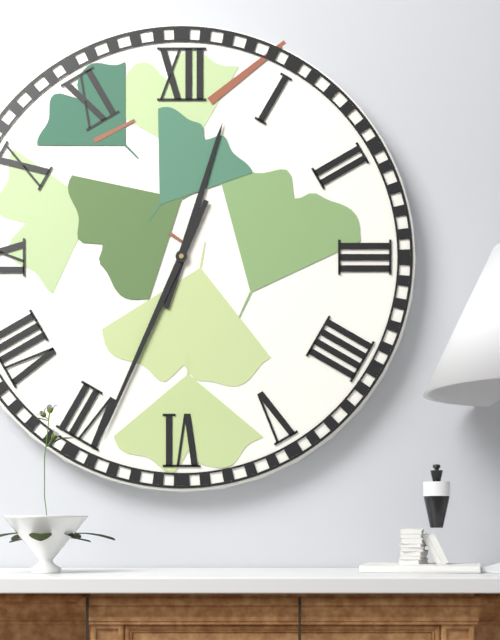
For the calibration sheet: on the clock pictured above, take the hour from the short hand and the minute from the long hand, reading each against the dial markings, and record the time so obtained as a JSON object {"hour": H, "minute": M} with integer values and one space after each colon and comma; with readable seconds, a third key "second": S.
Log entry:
{"hour": 12, "minute": 34}
